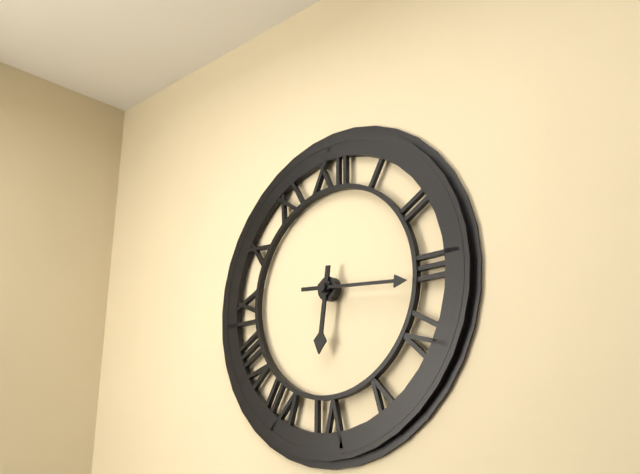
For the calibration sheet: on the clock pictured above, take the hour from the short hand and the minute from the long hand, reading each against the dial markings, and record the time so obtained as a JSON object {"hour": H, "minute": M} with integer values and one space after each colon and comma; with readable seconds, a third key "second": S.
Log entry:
{"hour": 6, "minute": 16}
